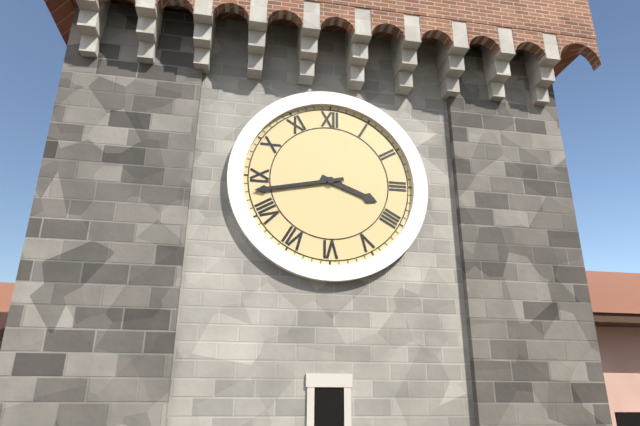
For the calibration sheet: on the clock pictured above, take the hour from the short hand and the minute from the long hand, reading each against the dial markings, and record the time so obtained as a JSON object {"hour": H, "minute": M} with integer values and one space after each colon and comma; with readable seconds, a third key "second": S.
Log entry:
{"hour": 3, "minute": 43}
